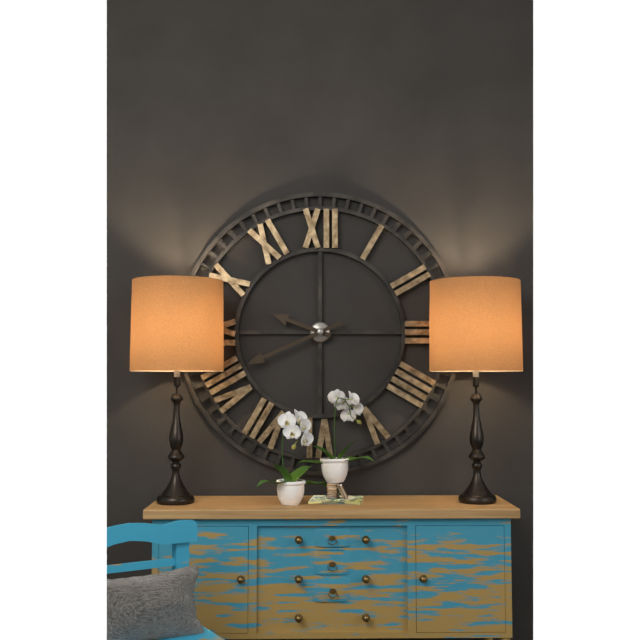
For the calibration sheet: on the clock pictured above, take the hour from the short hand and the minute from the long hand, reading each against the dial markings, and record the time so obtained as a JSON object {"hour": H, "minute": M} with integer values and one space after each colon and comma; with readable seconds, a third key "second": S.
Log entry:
{"hour": 9, "minute": 41}
